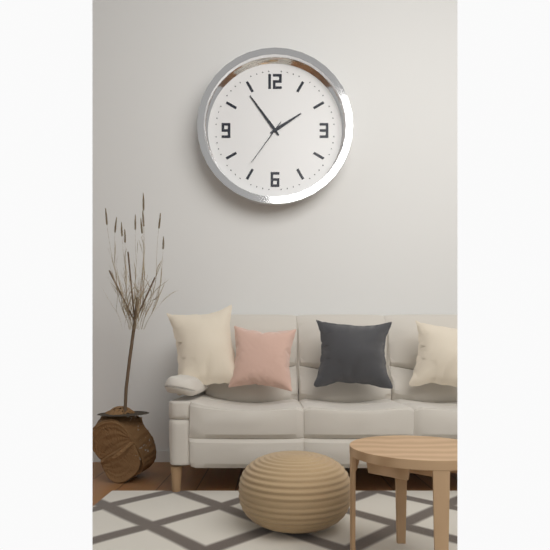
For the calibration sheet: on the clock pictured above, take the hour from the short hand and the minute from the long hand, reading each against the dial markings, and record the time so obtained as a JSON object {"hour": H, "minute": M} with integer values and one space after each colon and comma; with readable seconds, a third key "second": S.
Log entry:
{"hour": 1, "minute": 54}
